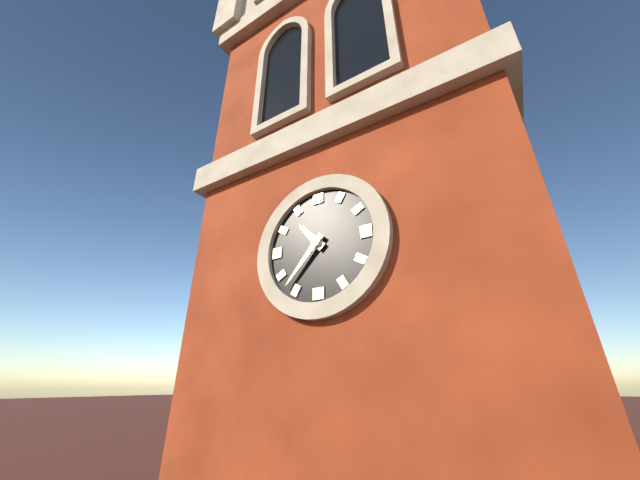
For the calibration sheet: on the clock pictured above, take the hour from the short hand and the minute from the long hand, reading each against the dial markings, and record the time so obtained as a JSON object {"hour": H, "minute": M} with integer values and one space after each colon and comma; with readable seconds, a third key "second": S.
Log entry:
{"hour": 10, "minute": 37}
